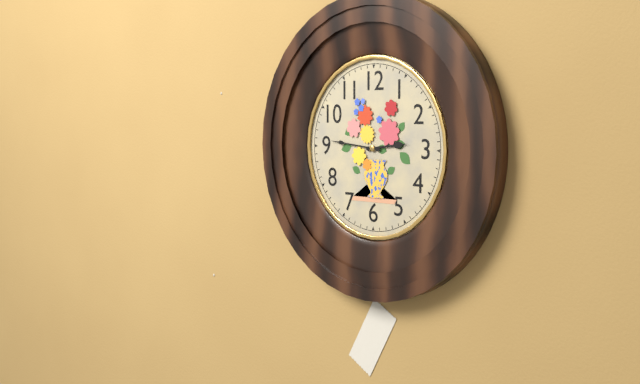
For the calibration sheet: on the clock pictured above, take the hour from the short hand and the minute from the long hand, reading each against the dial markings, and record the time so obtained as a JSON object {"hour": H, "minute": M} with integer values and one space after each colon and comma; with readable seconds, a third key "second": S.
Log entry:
{"hour": 2, "minute": 46}
